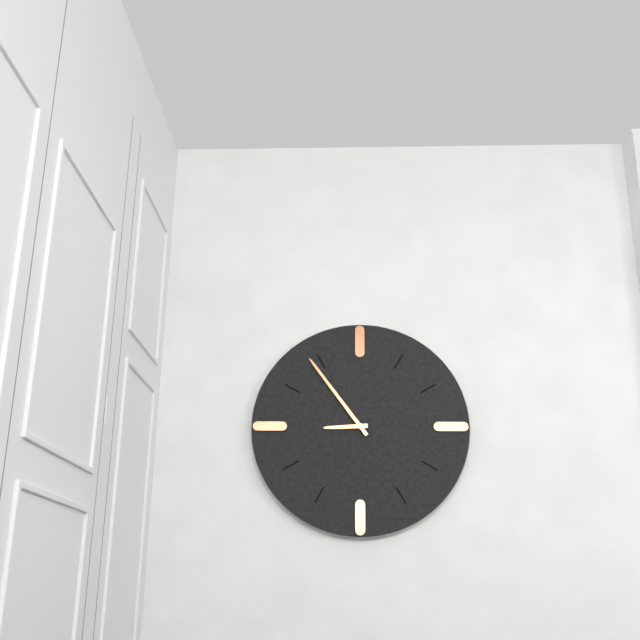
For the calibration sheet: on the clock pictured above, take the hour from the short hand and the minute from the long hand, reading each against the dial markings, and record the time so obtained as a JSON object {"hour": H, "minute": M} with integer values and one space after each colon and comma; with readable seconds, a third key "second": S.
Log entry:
{"hour": 8, "minute": 54}
